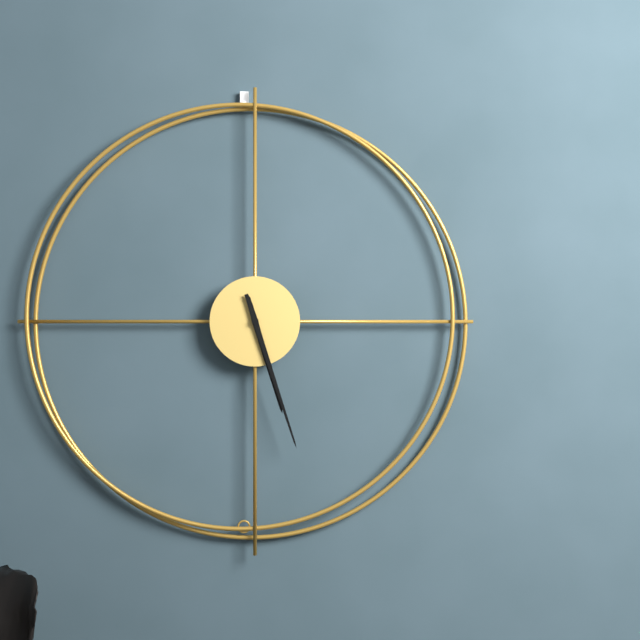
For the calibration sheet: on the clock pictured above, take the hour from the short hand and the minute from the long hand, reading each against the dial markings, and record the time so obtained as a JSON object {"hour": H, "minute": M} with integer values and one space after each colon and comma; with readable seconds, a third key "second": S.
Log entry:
{"hour": 5, "minute": 27}
